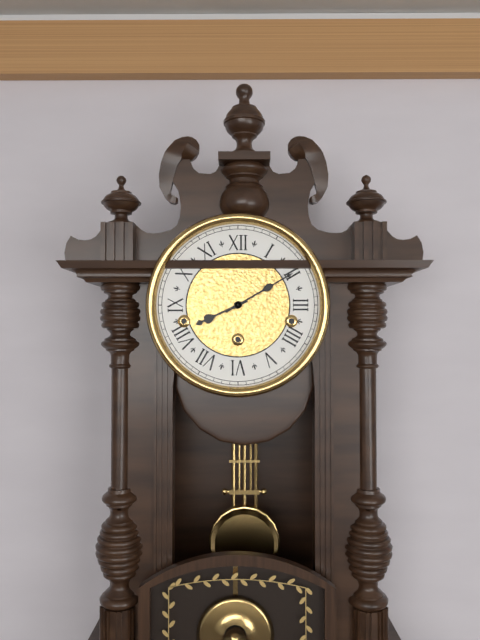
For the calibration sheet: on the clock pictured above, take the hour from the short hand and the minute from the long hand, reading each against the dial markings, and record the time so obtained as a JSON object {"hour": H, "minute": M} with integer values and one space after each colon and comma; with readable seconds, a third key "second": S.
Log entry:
{"hour": 8, "minute": 10}
